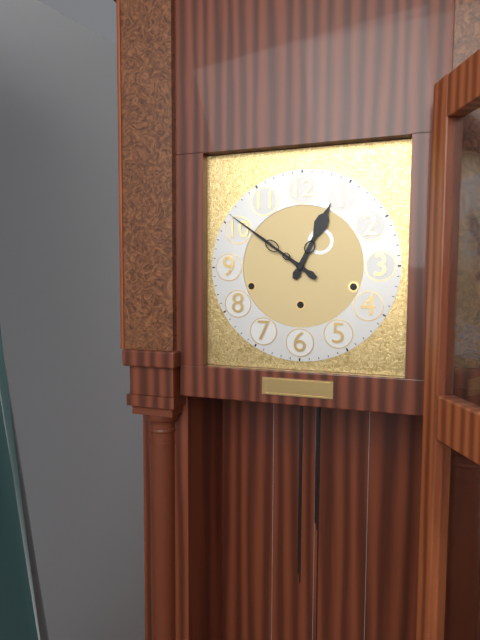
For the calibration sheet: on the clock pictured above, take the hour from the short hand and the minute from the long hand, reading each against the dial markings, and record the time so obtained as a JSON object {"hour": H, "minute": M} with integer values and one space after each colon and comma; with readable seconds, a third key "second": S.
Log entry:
{"hour": 12, "minute": 51}
